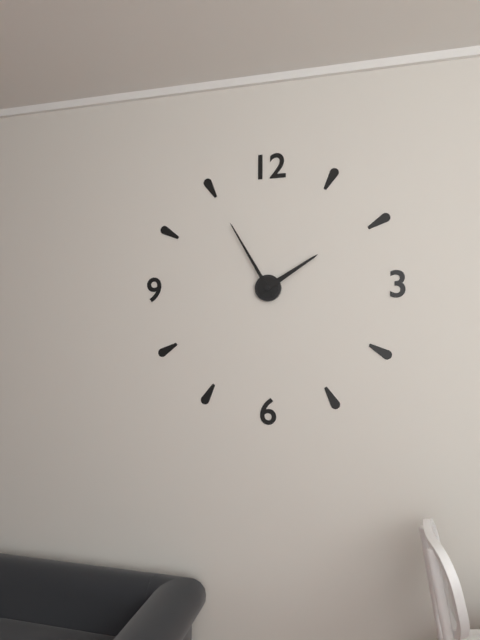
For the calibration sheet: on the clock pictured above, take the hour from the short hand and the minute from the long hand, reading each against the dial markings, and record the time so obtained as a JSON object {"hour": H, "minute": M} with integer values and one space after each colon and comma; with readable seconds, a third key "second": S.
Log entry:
{"hour": 1, "minute": 55}
